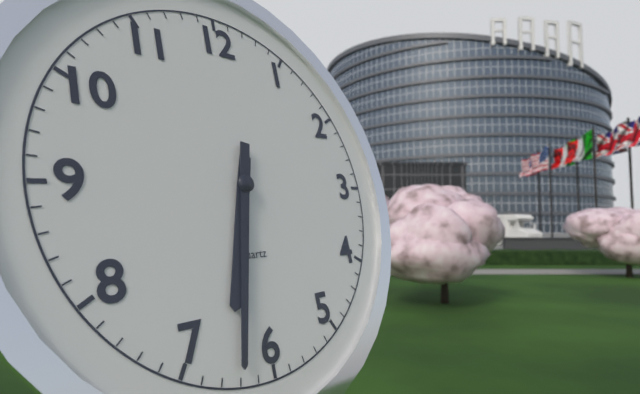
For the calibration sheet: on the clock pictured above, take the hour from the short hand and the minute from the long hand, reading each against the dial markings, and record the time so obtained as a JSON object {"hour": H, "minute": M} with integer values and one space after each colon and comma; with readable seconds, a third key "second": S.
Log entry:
{"hour": 6, "minute": 32}
